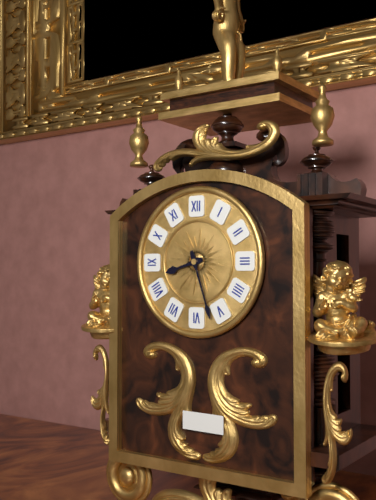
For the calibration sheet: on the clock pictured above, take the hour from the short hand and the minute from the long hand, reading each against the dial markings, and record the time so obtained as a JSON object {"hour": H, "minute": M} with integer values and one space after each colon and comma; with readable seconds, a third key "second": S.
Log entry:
{"hour": 8, "minute": 27}
